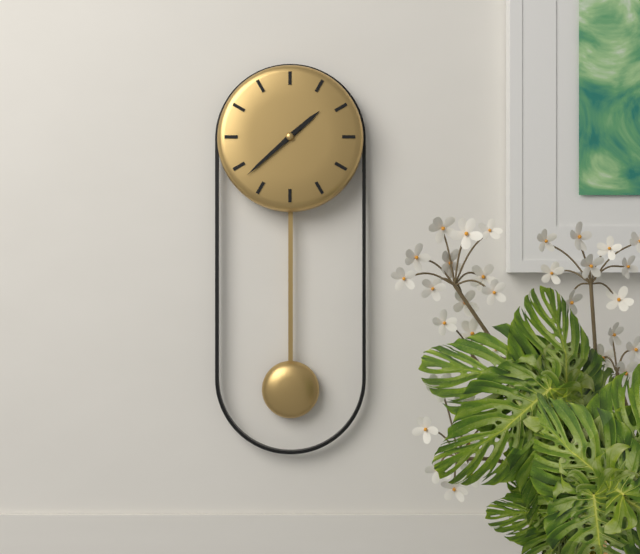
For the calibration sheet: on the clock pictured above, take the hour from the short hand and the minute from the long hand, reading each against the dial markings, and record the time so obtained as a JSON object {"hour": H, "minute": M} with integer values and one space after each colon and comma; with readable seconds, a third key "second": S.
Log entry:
{"hour": 1, "minute": 38}
